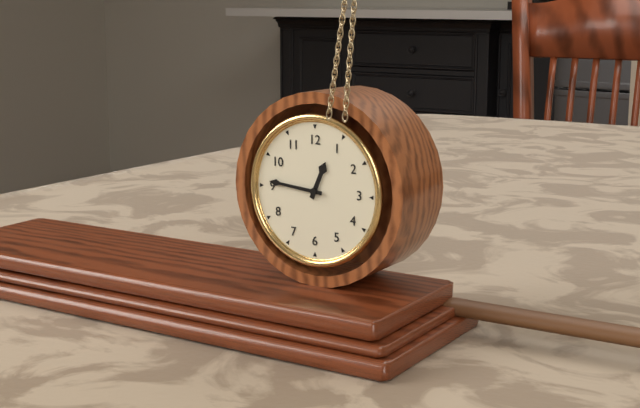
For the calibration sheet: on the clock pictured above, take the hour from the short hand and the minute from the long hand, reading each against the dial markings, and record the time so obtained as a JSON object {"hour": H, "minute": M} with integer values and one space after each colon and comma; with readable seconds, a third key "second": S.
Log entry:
{"hour": 12, "minute": 46}
